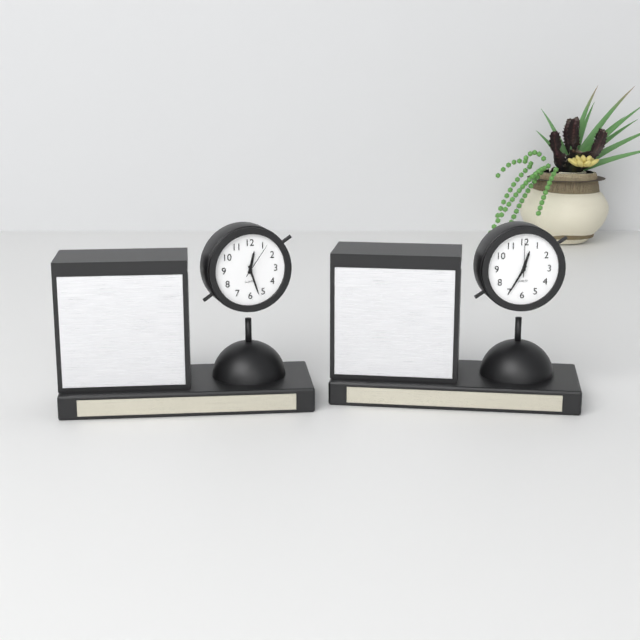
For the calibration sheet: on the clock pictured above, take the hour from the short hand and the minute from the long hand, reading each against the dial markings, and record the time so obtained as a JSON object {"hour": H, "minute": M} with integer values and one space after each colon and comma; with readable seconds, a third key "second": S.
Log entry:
{"hour": 12, "minute": 27}
